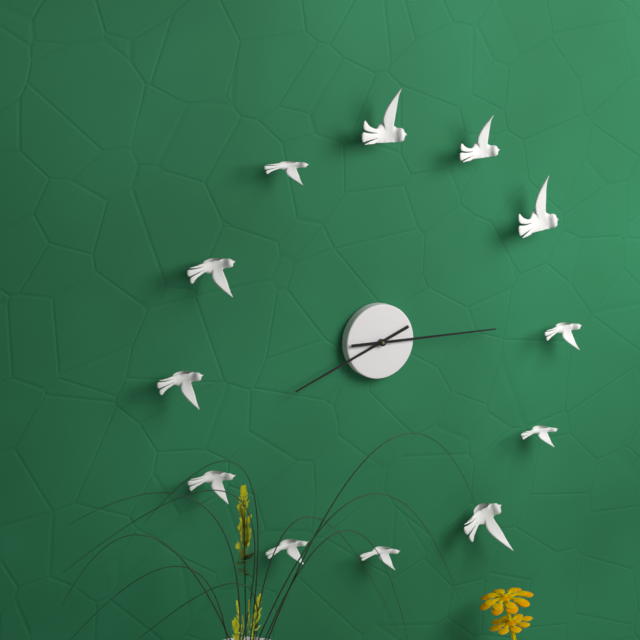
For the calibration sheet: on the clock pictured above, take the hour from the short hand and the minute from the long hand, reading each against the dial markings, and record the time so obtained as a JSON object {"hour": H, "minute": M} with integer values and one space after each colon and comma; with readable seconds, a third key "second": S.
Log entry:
{"hour": 8, "minute": 15}
